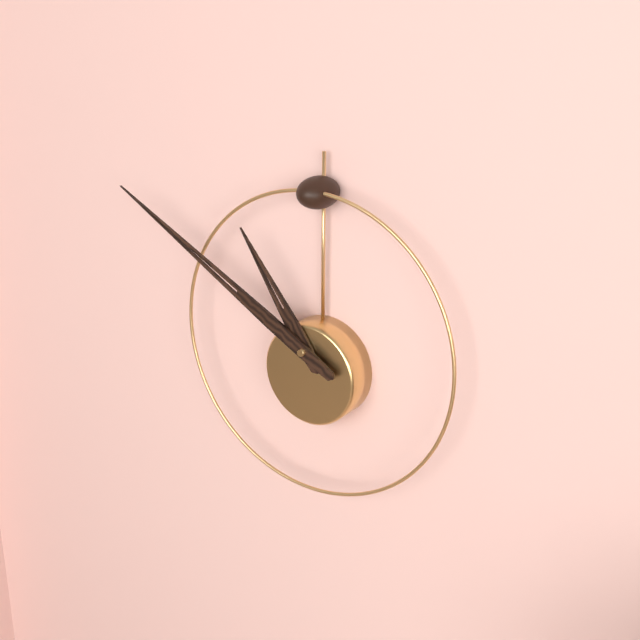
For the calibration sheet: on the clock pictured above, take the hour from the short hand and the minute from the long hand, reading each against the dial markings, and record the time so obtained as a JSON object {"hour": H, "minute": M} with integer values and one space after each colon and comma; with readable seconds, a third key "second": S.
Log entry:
{"hour": 10, "minute": 50}
